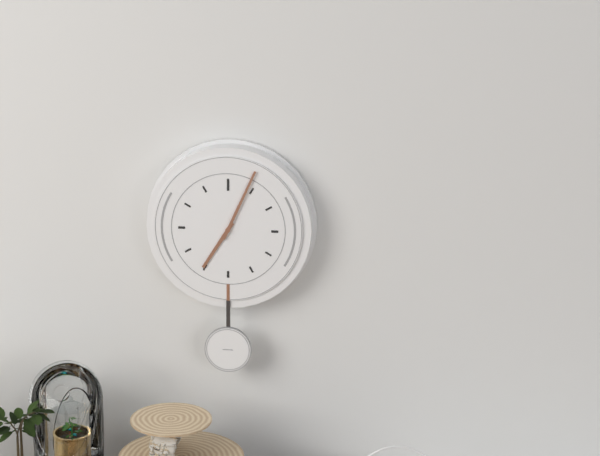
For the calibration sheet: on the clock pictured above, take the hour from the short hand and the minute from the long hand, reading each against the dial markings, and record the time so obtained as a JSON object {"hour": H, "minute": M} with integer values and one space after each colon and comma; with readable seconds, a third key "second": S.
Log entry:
{"hour": 7, "minute": 4}
